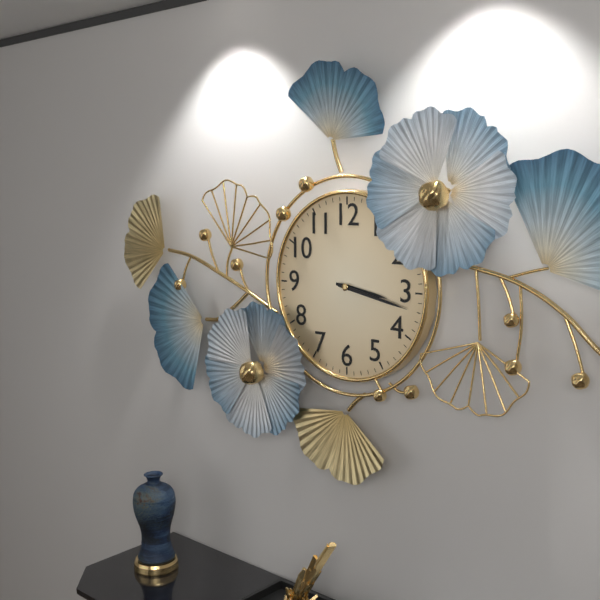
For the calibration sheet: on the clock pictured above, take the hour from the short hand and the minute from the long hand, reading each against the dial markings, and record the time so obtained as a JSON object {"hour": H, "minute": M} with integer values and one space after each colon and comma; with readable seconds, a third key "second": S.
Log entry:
{"hour": 3, "minute": 17}
